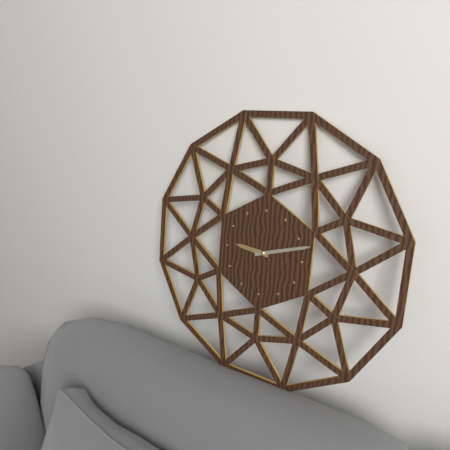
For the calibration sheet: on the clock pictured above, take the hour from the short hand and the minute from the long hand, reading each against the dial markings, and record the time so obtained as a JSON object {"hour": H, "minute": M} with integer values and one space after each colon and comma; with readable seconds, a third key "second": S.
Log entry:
{"hour": 9, "minute": 12}
